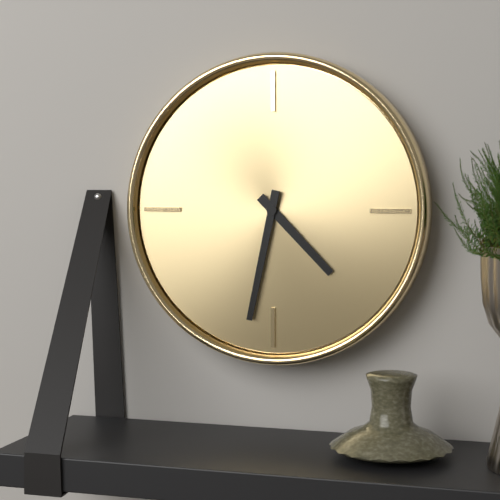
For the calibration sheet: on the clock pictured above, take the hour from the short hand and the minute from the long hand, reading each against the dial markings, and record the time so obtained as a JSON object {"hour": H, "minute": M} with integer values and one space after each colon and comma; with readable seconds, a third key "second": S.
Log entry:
{"hour": 4, "minute": 32}
